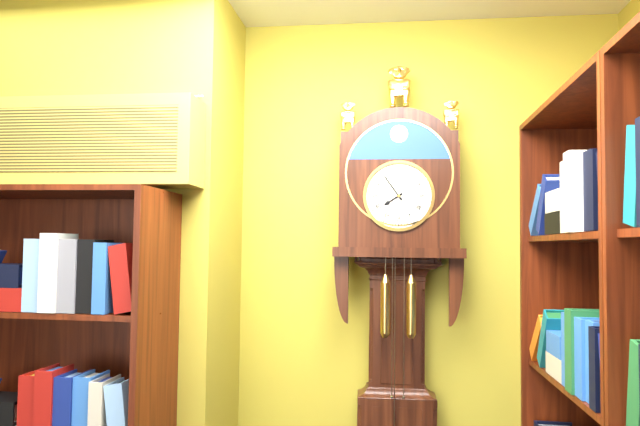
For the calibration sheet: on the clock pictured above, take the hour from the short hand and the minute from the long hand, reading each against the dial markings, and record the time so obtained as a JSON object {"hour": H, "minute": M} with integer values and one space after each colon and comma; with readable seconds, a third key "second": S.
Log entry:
{"hour": 7, "minute": 54}
